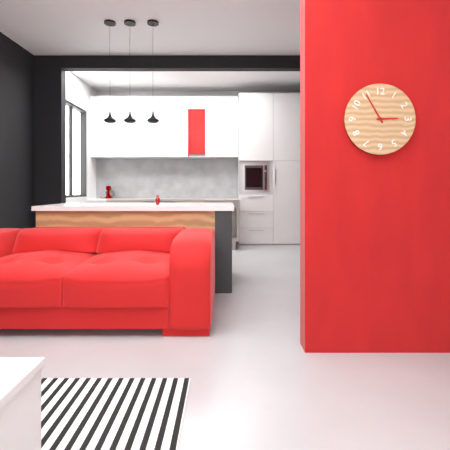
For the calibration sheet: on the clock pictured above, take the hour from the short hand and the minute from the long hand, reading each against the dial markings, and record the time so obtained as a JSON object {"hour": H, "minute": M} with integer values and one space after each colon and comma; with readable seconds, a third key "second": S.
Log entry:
{"hour": 2, "minute": 55}
